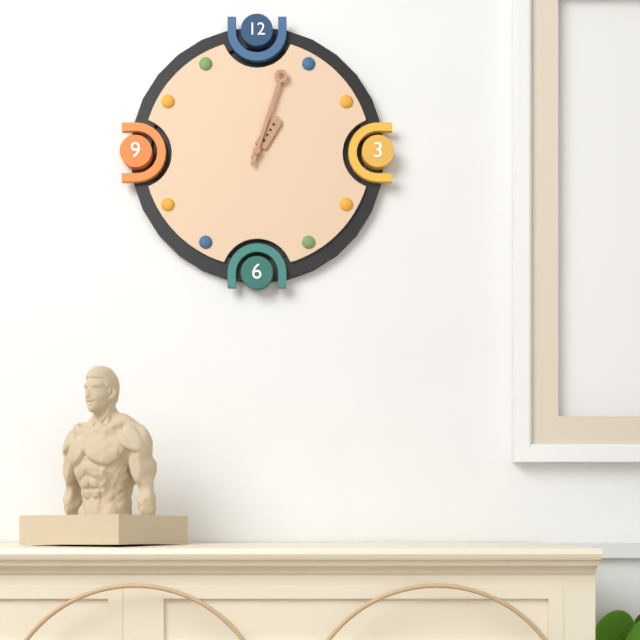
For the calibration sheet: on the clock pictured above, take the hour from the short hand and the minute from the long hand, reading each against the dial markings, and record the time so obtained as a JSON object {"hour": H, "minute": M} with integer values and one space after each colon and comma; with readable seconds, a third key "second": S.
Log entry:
{"hour": 1, "minute": 3}
